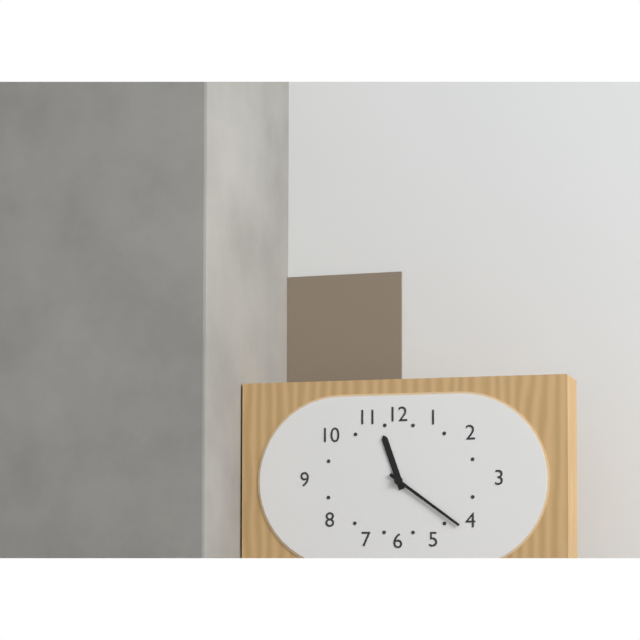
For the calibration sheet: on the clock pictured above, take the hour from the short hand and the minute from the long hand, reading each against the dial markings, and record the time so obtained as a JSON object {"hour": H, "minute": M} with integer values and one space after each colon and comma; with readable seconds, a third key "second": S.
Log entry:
{"hour": 11, "minute": 21}
